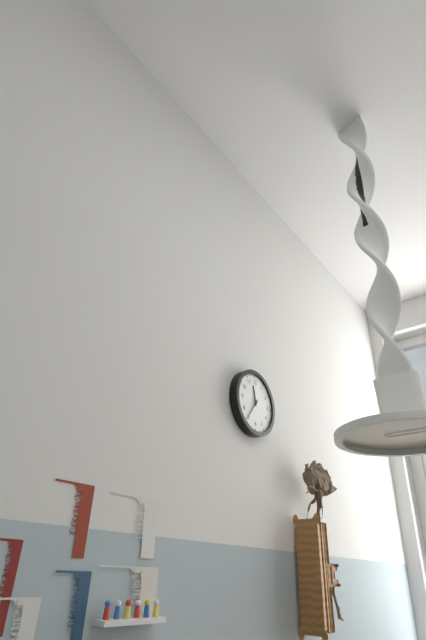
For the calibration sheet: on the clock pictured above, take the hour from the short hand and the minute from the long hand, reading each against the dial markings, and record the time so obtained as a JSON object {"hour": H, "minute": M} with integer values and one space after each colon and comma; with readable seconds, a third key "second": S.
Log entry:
{"hour": 11, "minute": 36}
